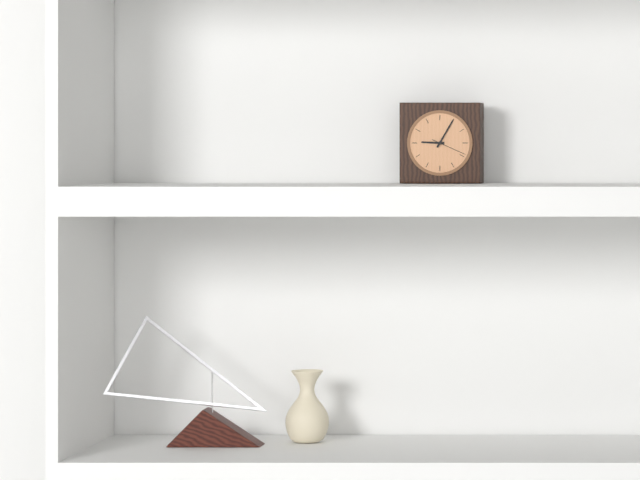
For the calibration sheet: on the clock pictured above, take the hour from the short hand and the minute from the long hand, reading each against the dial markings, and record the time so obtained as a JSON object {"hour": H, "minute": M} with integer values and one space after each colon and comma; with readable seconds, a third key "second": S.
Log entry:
{"hour": 9, "minute": 5}
